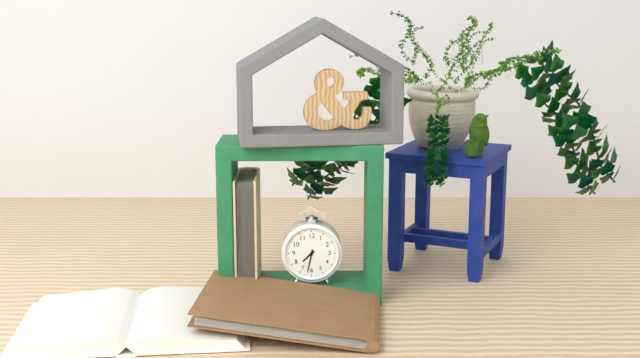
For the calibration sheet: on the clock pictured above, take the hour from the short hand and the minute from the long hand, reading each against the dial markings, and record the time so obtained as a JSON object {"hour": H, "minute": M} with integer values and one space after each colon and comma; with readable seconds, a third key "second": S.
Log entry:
{"hour": 7, "minute": 32}
